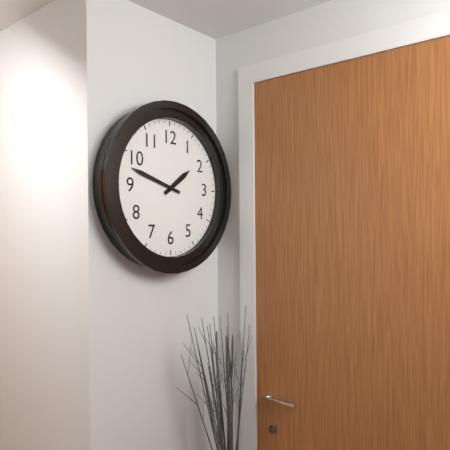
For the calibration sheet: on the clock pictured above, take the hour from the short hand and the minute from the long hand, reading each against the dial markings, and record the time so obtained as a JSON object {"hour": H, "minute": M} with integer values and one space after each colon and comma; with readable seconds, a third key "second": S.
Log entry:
{"hour": 1, "minute": 48}
